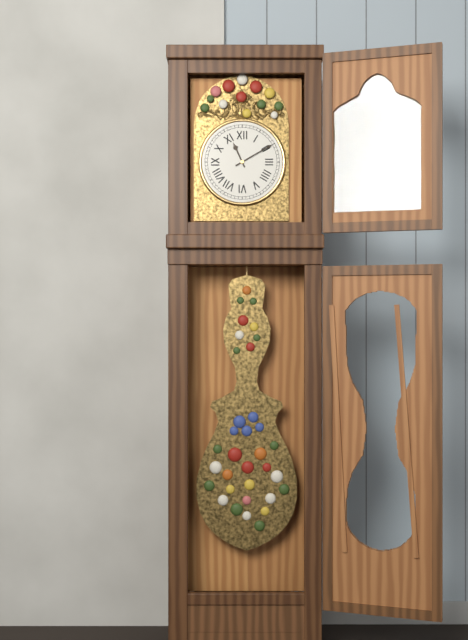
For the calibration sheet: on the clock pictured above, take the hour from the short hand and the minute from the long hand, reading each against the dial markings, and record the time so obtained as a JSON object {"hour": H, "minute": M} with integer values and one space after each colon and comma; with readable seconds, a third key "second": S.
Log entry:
{"hour": 11, "minute": 10}
